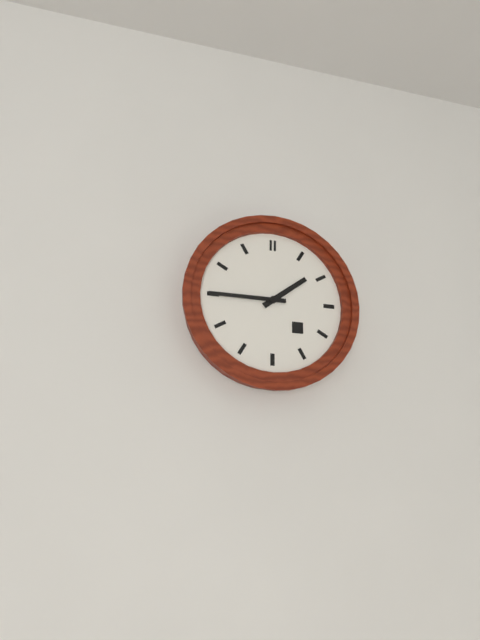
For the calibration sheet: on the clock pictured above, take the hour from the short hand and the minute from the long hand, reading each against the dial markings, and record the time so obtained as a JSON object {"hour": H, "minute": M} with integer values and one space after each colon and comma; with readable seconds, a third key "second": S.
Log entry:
{"hour": 1, "minute": 45}
